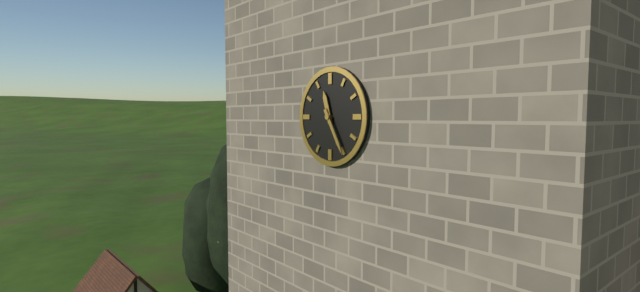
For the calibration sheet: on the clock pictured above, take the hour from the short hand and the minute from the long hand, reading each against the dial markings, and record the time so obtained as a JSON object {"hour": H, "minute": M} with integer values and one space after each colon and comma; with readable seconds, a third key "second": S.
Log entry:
{"hour": 11, "minute": 25}
